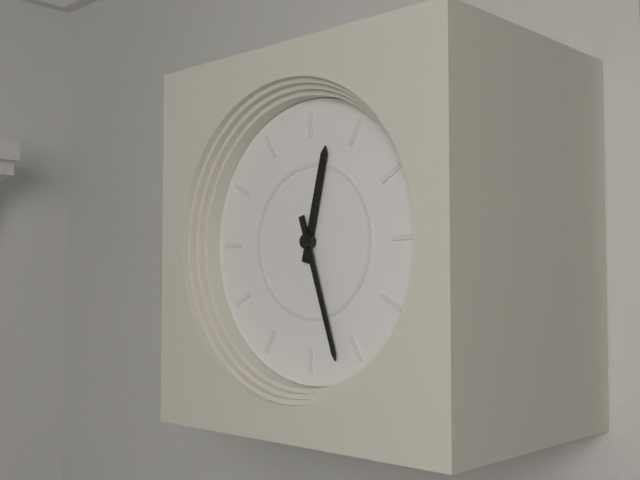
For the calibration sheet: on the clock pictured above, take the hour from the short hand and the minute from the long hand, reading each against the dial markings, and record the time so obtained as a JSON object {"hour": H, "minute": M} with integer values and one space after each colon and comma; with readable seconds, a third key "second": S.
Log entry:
{"hour": 12, "minute": 27}
